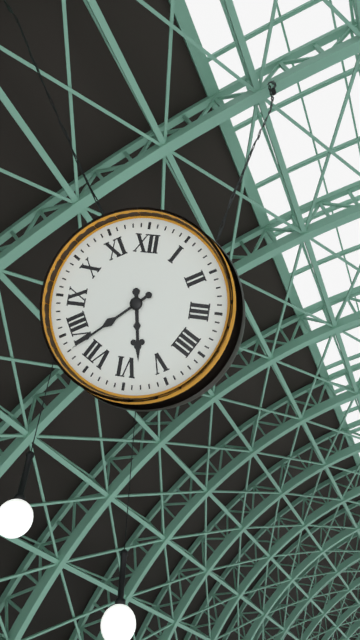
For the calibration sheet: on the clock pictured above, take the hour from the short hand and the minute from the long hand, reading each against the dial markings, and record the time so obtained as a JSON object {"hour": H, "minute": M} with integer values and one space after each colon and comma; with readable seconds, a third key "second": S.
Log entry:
{"hour": 5, "minute": 38}
